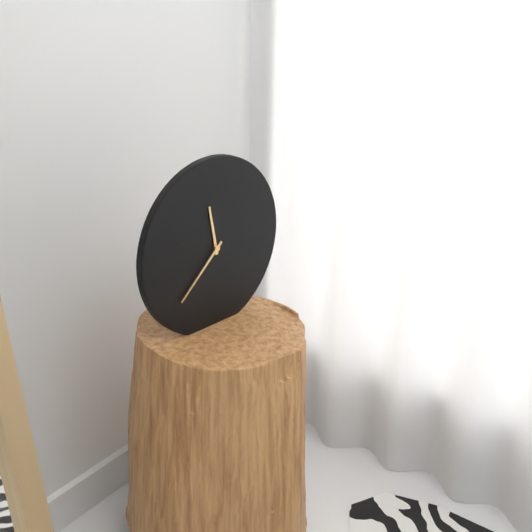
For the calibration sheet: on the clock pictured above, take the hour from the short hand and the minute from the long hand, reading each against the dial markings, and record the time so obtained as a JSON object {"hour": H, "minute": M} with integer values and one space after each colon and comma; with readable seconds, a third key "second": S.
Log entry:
{"hour": 11, "minute": 38}
